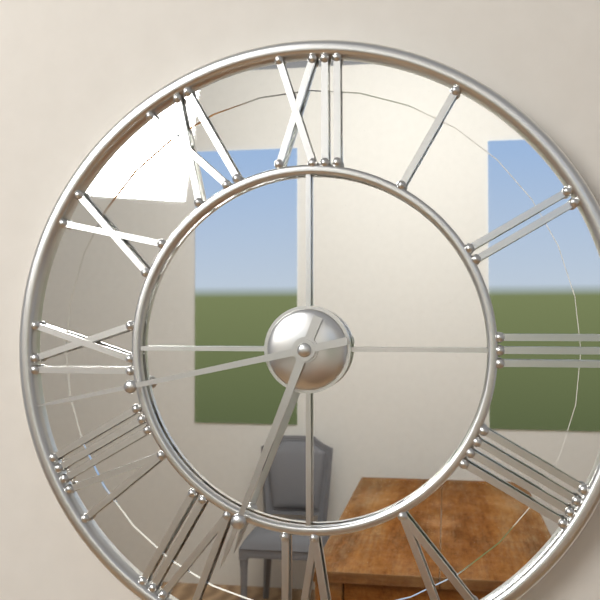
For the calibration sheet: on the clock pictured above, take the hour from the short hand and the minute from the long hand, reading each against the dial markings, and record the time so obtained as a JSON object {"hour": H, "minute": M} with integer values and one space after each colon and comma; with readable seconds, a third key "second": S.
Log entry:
{"hour": 6, "minute": 43}
